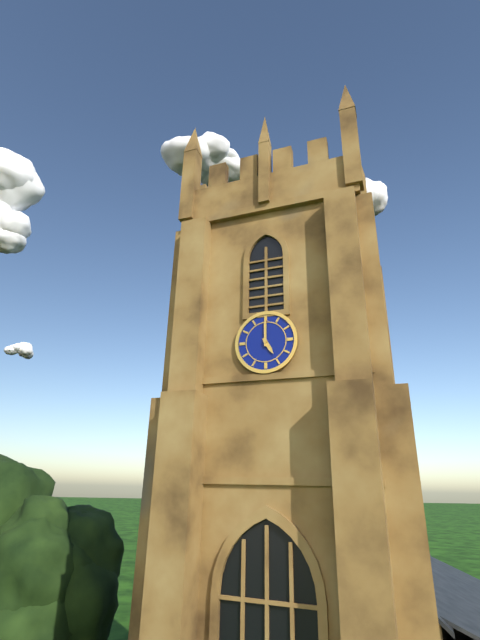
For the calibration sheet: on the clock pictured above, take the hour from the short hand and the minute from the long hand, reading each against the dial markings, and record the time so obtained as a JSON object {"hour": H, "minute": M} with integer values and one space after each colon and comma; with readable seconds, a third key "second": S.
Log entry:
{"hour": 5, "minute": 0}
